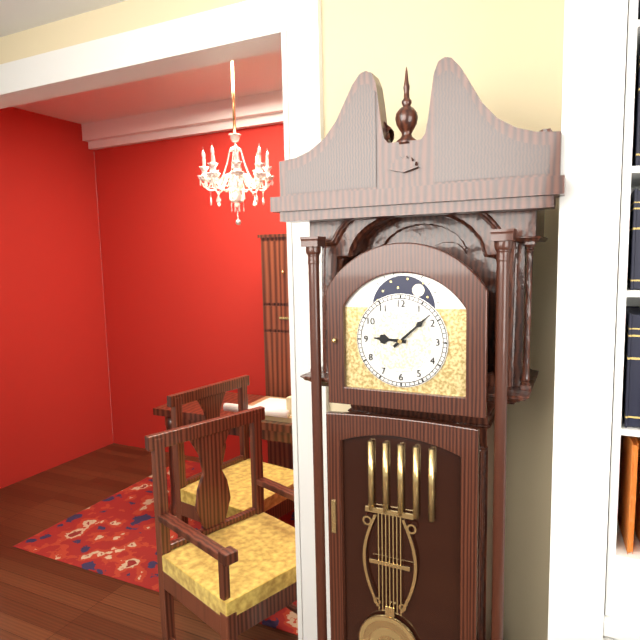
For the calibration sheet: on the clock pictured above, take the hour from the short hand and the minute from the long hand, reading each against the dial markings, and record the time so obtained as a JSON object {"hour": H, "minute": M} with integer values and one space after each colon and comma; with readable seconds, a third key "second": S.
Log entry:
{"hour": 9, "minute": 8}
